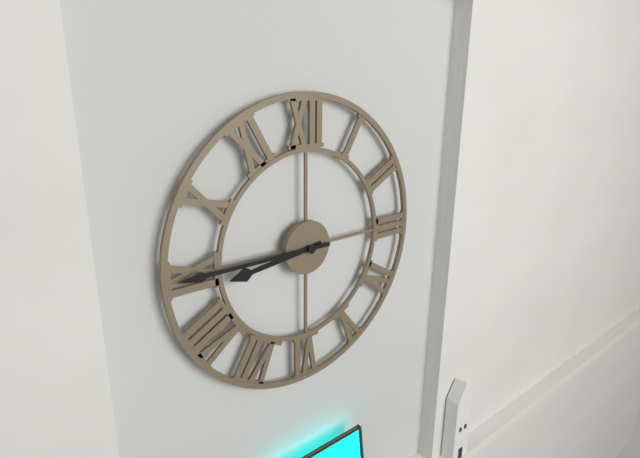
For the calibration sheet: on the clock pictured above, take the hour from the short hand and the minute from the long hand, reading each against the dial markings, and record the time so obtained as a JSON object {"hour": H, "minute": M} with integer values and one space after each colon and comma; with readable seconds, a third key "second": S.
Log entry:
{"hour": 8, "minute": 45}
